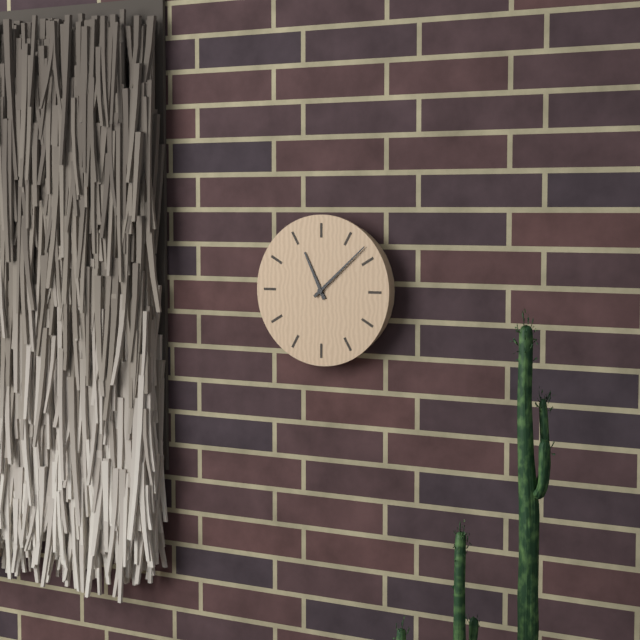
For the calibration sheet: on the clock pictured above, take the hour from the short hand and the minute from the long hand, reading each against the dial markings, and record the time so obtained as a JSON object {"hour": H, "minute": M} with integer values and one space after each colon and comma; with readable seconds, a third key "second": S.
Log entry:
{"hour": 11, "minute": 8}
